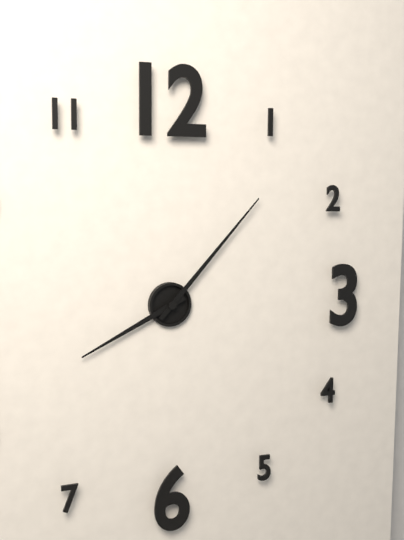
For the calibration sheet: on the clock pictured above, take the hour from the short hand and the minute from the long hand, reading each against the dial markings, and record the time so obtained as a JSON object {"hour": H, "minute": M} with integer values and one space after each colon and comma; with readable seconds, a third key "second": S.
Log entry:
{"hour": 8, "minute": 7}
